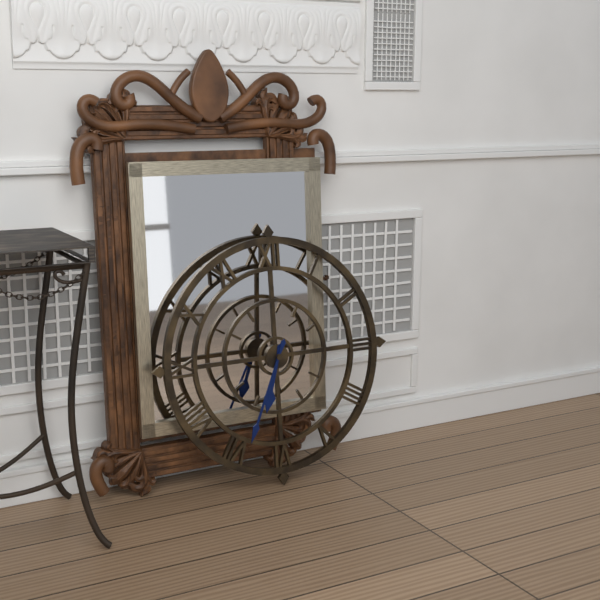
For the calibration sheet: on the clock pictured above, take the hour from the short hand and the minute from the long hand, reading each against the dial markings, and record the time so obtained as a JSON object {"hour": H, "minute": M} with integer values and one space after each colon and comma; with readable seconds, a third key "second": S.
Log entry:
{"hour": 6, "minute": 34}
